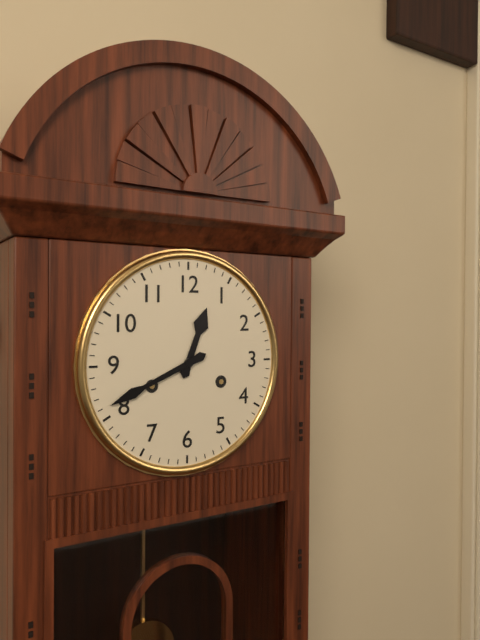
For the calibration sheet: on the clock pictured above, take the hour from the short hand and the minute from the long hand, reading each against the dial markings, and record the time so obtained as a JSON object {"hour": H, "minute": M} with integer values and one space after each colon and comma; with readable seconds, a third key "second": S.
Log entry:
{"hour": 12, "minute": 41}
